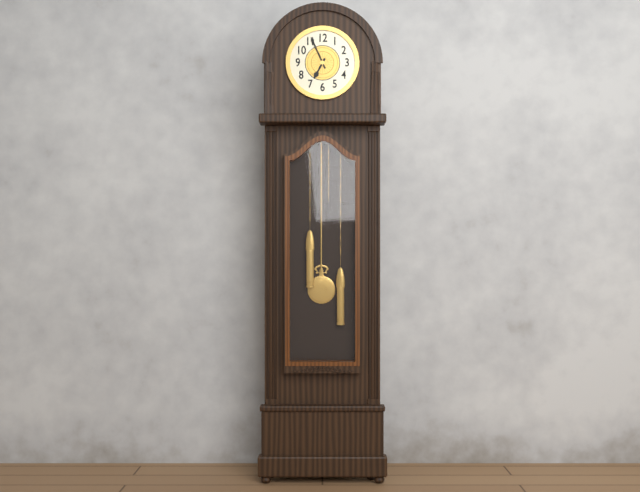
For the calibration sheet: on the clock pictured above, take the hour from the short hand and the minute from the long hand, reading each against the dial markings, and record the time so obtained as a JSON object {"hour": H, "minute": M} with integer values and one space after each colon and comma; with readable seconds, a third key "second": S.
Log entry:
{"hour": 6, "minute": 56}
